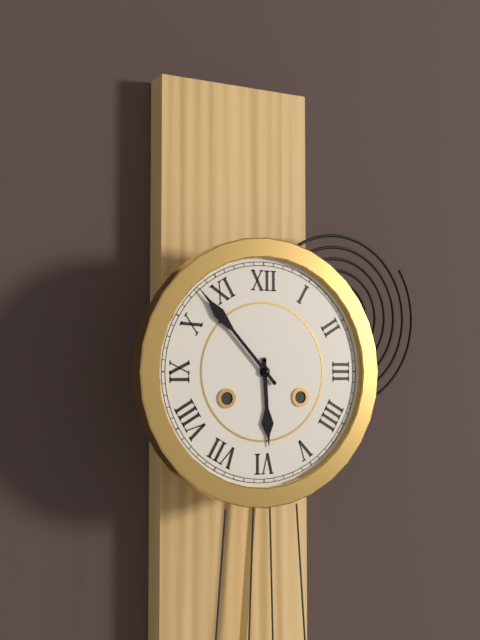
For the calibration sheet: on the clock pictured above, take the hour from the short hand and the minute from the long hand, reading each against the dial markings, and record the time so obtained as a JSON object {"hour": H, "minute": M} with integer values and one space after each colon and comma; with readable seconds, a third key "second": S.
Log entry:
{"hour": 5, "minute": 53}
